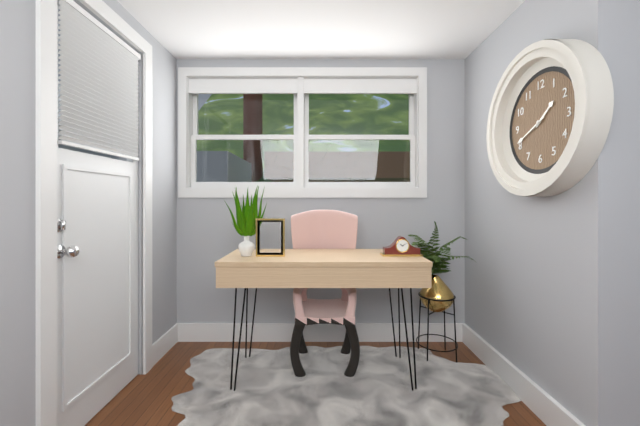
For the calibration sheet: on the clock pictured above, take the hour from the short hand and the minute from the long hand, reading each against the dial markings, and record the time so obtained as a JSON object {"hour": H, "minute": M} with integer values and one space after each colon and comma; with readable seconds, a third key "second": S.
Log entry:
{"hour": 1, "minute": 41}
